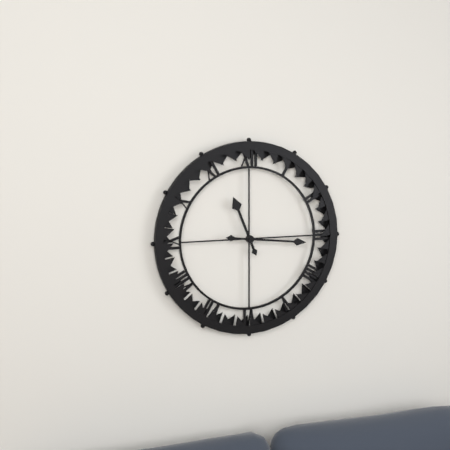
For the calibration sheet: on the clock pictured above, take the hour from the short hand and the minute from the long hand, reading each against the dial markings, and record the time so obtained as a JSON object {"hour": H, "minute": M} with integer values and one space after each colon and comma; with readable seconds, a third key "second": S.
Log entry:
{"hour": 11, "minute": 16}
